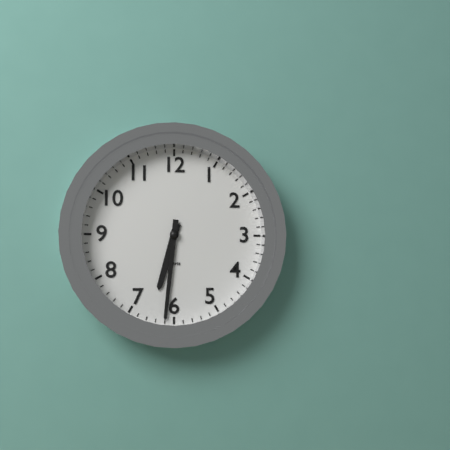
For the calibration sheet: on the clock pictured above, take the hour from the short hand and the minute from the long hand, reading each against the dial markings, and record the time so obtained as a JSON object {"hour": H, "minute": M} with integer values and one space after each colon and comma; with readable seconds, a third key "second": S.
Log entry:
{"hour": 6, "minute": 31}
